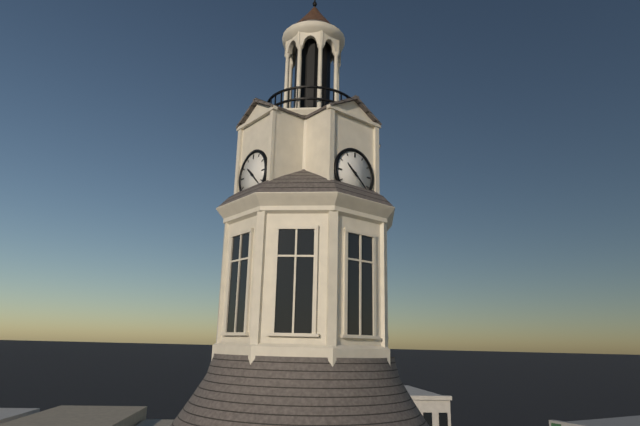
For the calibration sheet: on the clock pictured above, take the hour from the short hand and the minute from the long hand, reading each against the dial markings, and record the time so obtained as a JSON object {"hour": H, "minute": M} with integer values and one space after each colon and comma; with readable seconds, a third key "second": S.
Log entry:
{"hour": 10, "minute": 22}
